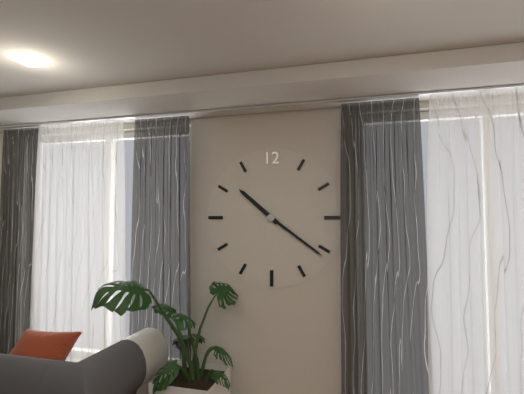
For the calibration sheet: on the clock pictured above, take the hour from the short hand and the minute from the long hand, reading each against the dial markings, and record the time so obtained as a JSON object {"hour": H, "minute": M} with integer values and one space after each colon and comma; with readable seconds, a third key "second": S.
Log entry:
{"hour": 10, "minute": 21}
